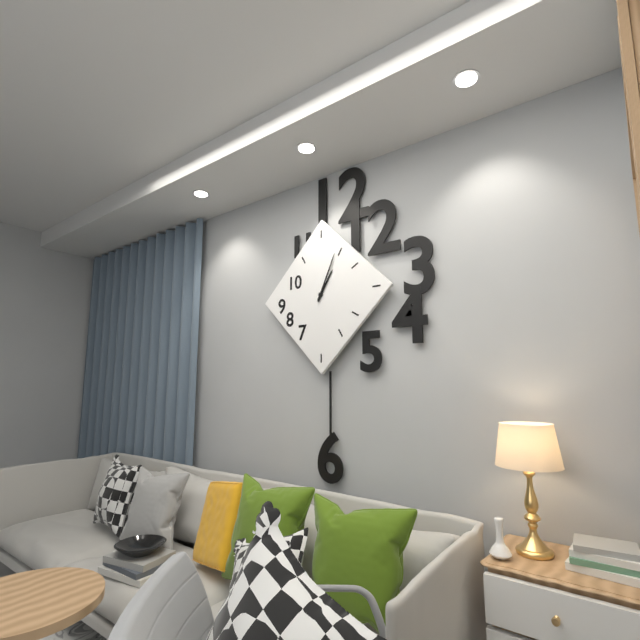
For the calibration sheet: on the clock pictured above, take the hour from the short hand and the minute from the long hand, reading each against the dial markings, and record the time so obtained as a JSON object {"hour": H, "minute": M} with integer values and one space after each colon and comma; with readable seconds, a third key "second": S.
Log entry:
{"hour": 1, "minute": 4}
